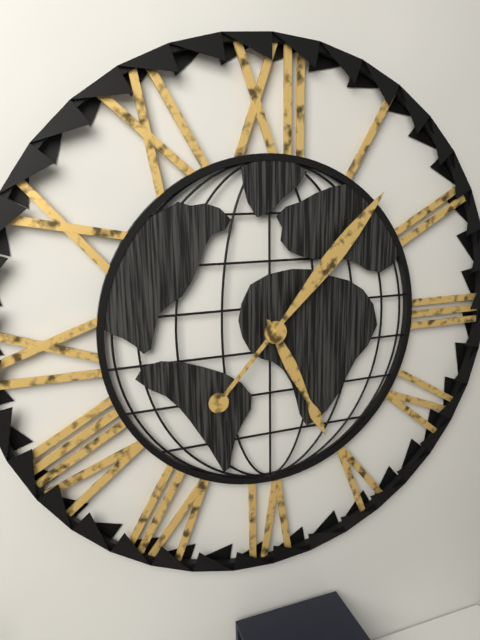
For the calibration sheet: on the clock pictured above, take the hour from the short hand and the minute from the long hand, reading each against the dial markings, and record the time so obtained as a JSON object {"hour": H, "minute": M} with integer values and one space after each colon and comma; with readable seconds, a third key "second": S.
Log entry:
{"hour": 5, "minute": 7}
